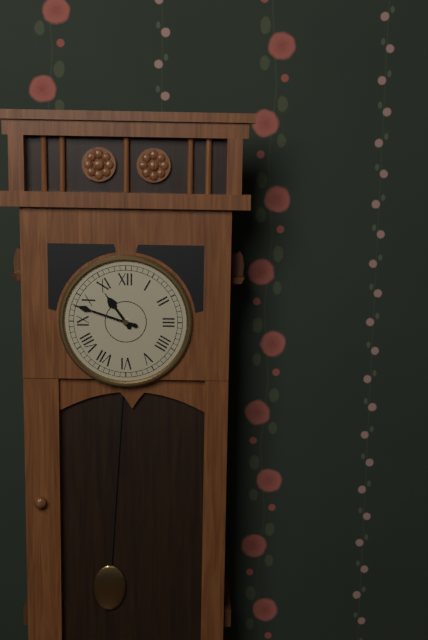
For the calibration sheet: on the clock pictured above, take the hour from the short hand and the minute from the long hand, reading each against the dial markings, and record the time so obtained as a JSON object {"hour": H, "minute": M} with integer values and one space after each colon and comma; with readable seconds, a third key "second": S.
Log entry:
{"hour": 10, "minute": 48}
